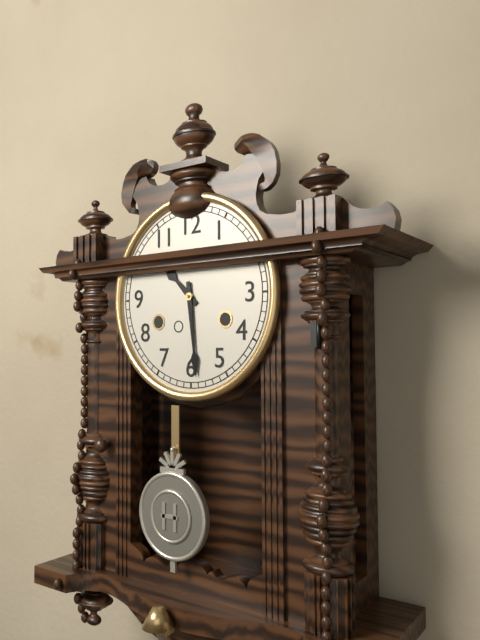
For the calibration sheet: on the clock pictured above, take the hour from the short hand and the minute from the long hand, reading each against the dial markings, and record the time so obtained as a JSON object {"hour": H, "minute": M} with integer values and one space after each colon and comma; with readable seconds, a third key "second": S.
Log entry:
{"hour": 10, "minute": 29}
